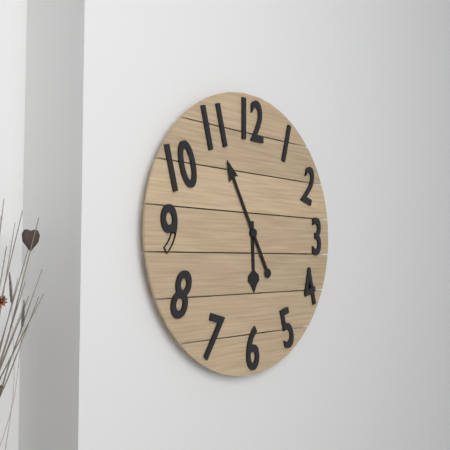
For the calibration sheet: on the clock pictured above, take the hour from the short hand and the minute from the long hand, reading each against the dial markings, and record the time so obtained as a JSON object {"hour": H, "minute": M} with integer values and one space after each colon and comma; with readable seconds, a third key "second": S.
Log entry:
{"hour": 5, "minute": 55}
